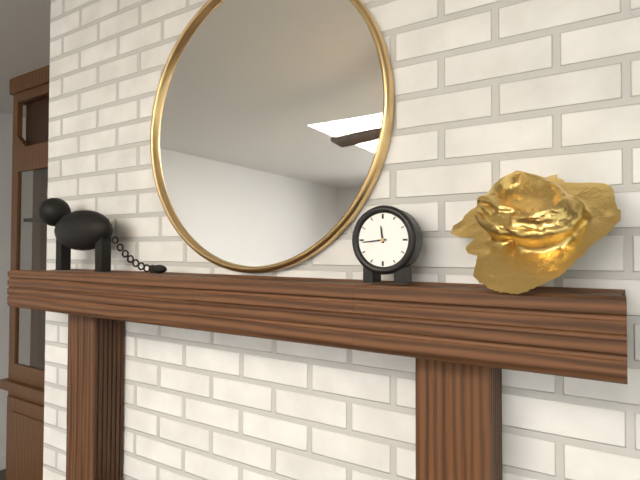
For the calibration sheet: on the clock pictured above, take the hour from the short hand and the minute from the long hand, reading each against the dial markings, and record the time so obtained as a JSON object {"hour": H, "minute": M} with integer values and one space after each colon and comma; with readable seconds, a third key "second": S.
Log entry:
{"hour": 11, "minute": 44}
